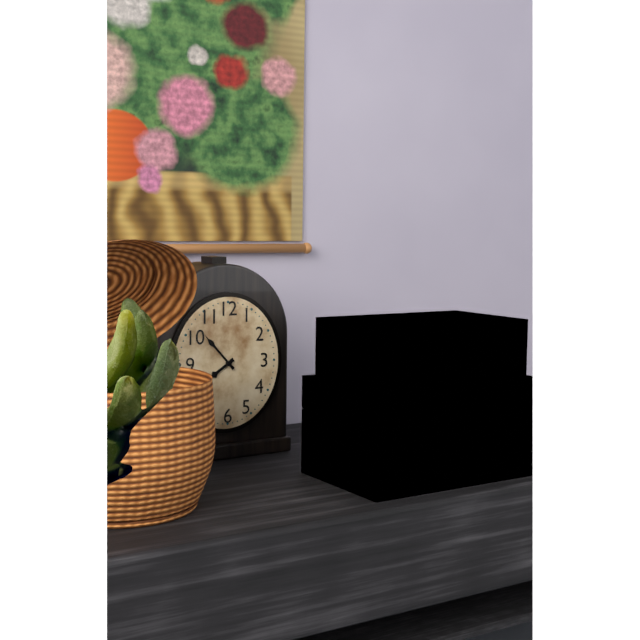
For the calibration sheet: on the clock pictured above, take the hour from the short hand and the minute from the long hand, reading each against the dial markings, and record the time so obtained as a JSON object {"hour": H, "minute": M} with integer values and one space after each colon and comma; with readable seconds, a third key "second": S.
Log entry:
{"hour": 7, "minute": 53}
